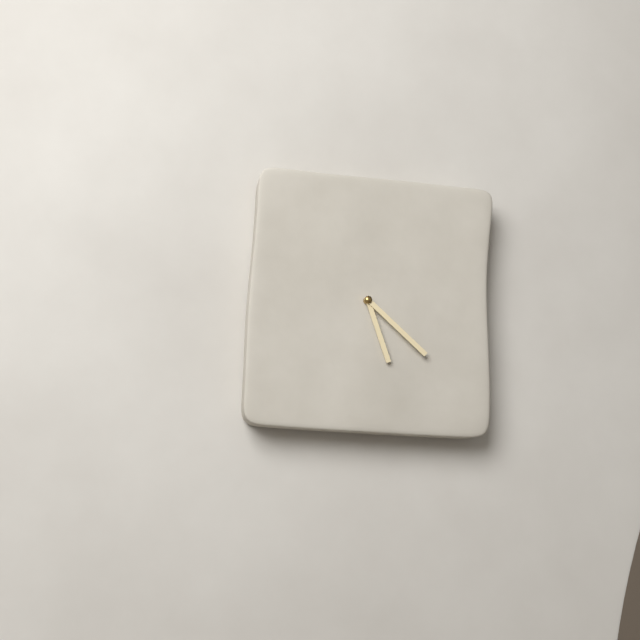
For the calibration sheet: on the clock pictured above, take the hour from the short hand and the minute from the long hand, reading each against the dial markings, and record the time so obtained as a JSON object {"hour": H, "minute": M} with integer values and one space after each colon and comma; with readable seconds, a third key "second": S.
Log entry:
{"hour": 5, "minute": 22}
